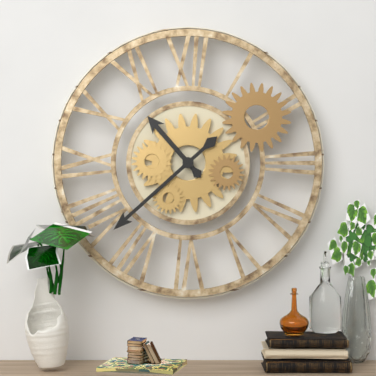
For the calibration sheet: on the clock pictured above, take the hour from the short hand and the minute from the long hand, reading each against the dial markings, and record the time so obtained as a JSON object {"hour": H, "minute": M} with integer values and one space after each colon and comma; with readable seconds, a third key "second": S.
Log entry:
{"hour": 10, "minute": 38}
